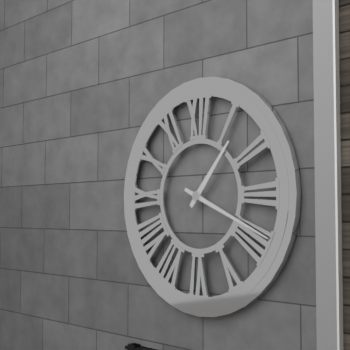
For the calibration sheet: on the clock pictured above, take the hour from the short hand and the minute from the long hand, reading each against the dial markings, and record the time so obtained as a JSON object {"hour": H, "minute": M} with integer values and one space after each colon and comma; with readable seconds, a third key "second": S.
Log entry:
{"hour": 1, "minute": 19}
